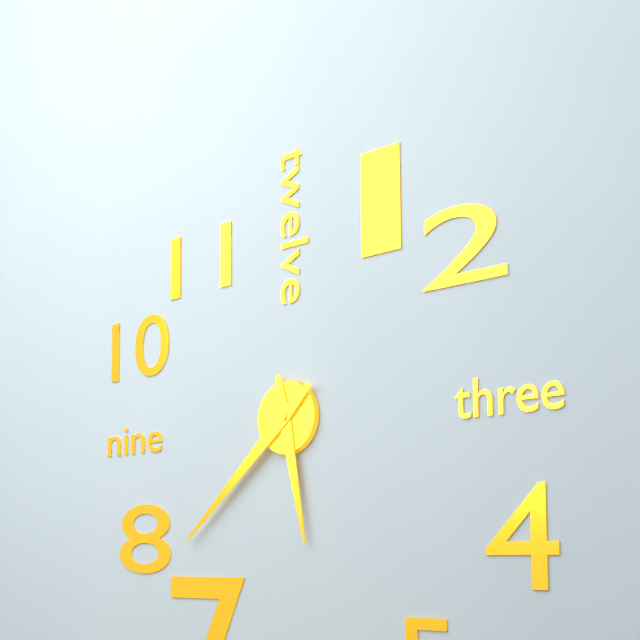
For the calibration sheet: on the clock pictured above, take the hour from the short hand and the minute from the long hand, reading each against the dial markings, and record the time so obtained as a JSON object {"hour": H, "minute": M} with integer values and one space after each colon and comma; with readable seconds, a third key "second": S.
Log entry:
{"hour": 5, "minute": 38}
